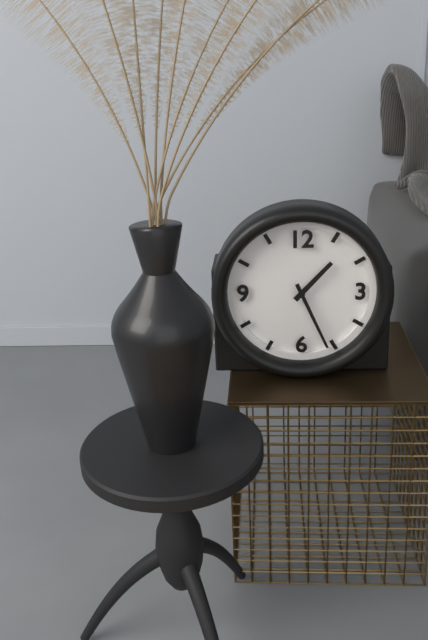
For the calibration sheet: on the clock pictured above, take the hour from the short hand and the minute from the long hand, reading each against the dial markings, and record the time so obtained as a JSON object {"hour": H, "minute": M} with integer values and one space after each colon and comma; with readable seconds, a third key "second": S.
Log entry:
{"hour": 1, "minute": 26}
